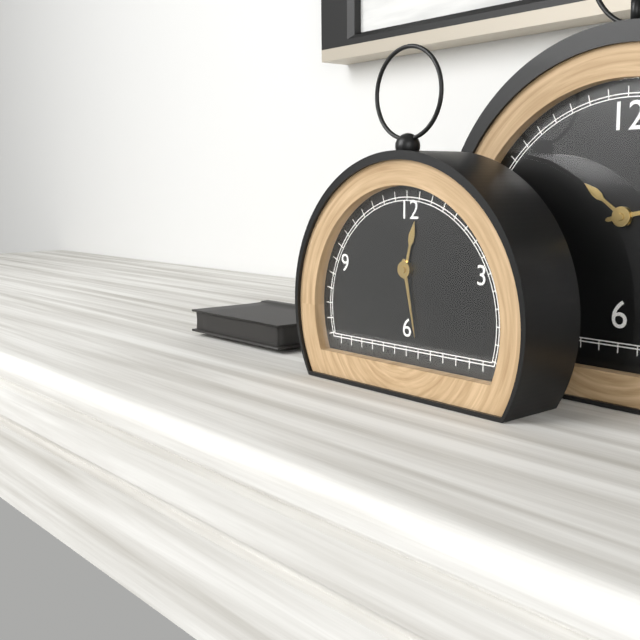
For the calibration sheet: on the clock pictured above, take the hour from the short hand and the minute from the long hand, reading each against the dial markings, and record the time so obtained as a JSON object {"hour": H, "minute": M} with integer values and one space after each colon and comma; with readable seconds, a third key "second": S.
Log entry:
{"hour": 12, "minute": 28}
